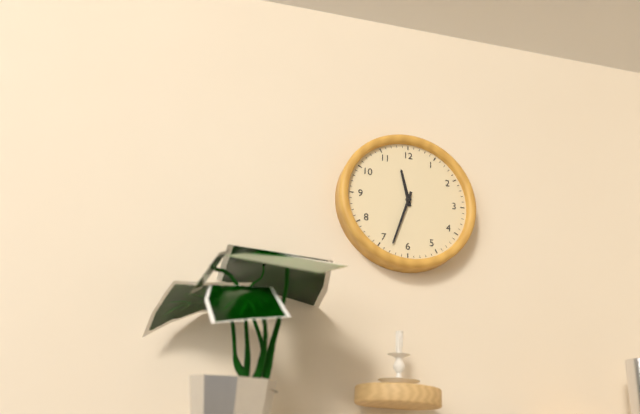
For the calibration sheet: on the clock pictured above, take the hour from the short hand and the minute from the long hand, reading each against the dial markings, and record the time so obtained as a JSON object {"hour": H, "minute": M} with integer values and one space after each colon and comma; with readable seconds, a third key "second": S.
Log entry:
{"hour": 11, "minute": 33}
